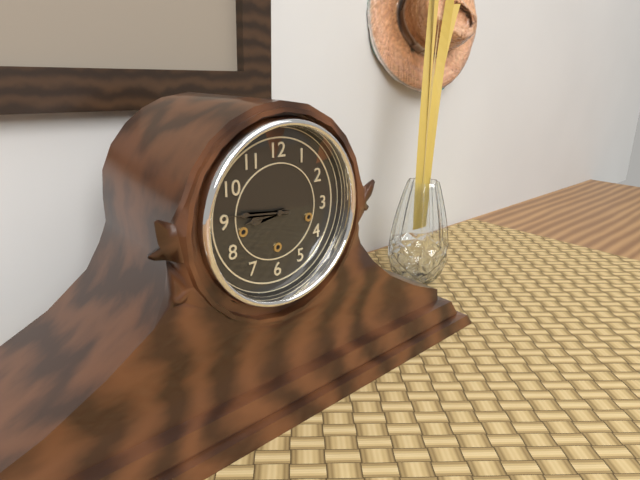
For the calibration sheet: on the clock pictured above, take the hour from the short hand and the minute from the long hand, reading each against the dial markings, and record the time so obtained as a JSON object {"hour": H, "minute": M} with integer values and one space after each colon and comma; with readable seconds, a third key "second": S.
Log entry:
{"hour": 8, "minute": 46}
